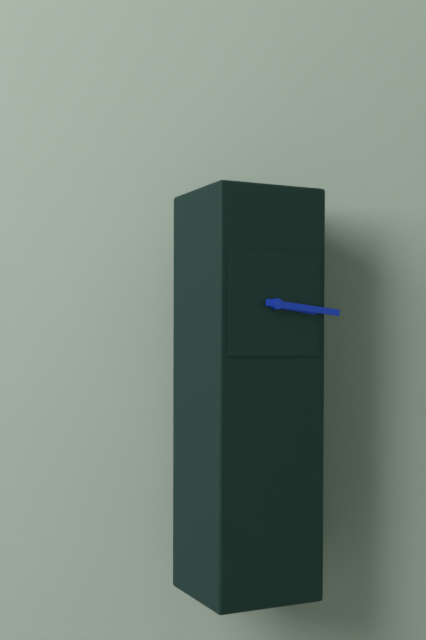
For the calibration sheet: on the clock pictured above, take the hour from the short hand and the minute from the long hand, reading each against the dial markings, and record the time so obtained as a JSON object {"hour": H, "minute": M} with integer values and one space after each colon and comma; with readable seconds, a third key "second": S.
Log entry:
{"hour": 3, "minute": 16}
